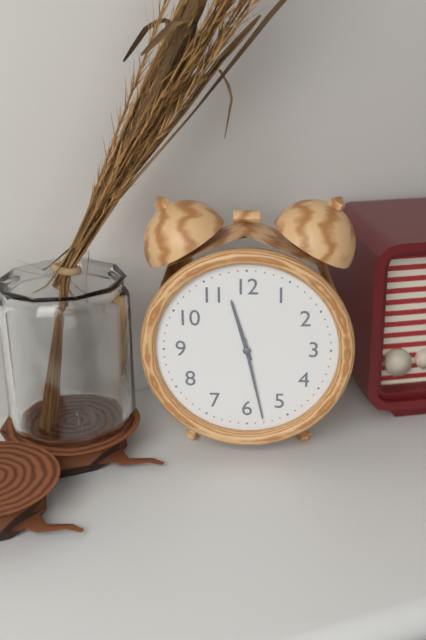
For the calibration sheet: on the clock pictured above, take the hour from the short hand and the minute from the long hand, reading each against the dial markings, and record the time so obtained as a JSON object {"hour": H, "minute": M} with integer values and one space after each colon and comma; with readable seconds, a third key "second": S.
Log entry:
{"hour": 11, "minute": 28}
